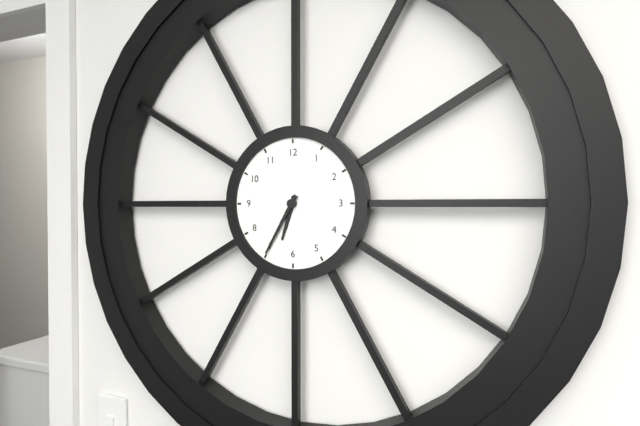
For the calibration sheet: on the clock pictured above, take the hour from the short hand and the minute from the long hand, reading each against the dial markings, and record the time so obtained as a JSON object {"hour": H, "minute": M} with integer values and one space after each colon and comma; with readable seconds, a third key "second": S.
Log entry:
{"hour": 6, "minute": 35}
